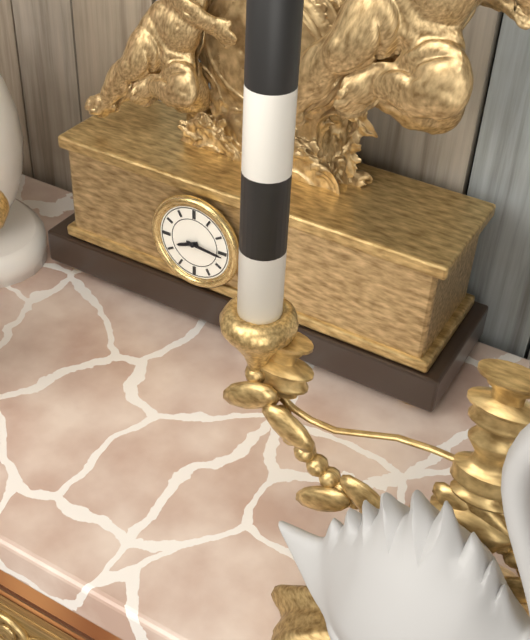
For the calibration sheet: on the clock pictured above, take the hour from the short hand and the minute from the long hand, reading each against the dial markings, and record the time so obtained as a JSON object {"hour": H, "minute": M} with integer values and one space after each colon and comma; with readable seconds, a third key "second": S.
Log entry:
{"hour": 8, "minute": 16}
